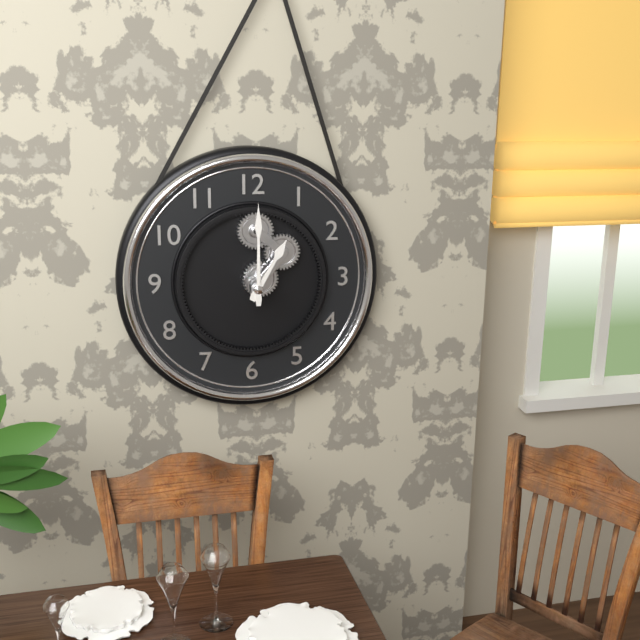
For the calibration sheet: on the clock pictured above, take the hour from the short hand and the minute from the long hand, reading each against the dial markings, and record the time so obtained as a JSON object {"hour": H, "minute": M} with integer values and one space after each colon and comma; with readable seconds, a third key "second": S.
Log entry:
{"hour": 1, "minute": 0}
